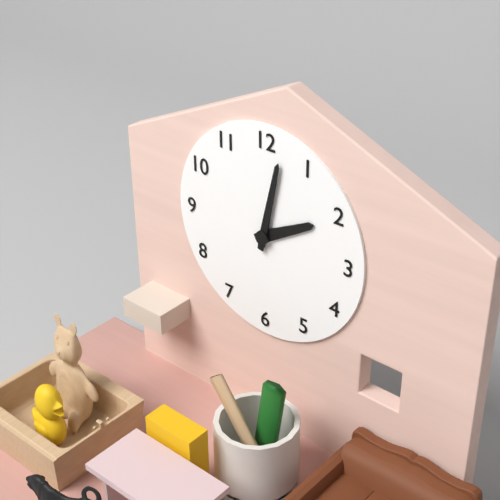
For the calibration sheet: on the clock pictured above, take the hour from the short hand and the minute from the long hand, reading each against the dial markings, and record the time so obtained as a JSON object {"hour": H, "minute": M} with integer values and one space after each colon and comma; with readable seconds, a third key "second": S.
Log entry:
{"hour": 2, "minute": 2}
